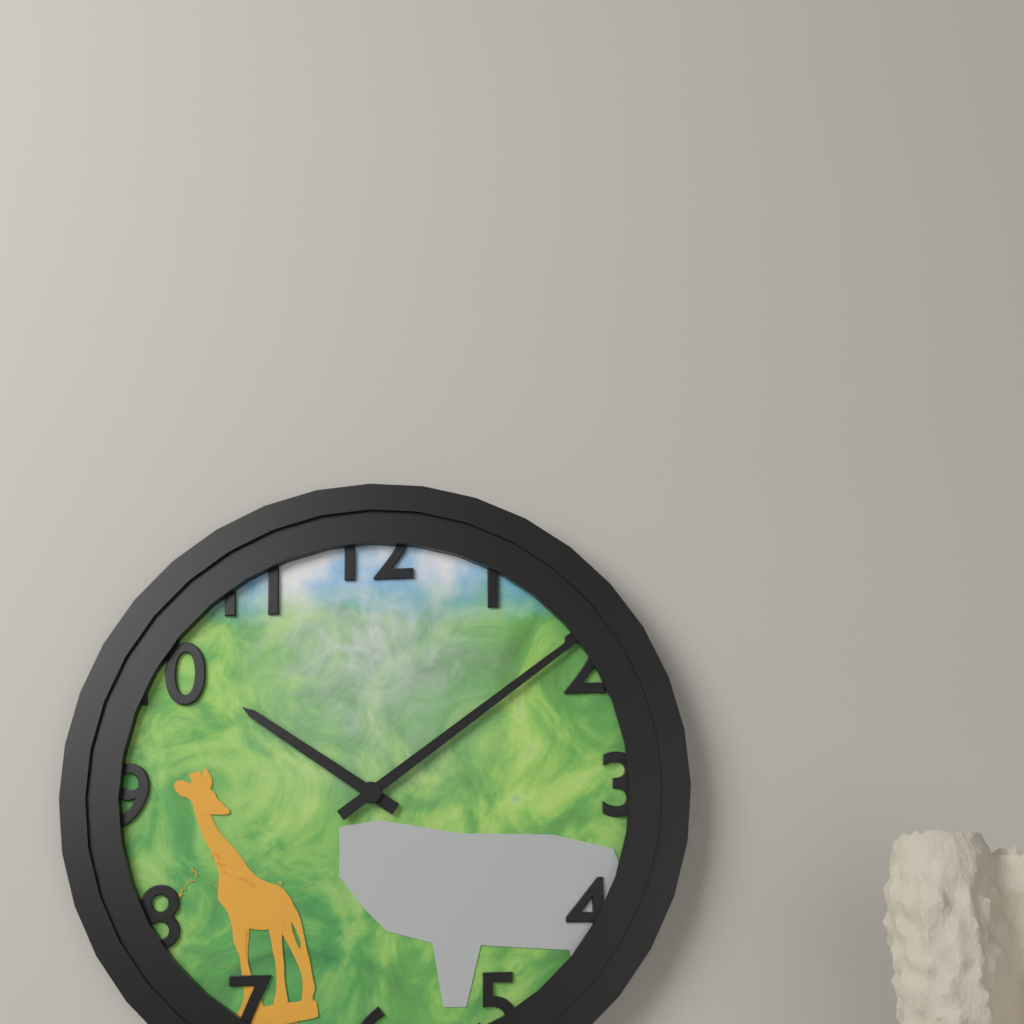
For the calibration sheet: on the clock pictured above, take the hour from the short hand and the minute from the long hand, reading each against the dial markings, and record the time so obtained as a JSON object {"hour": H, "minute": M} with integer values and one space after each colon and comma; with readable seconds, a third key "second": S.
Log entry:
{"hour": 10, "minute": 9}
